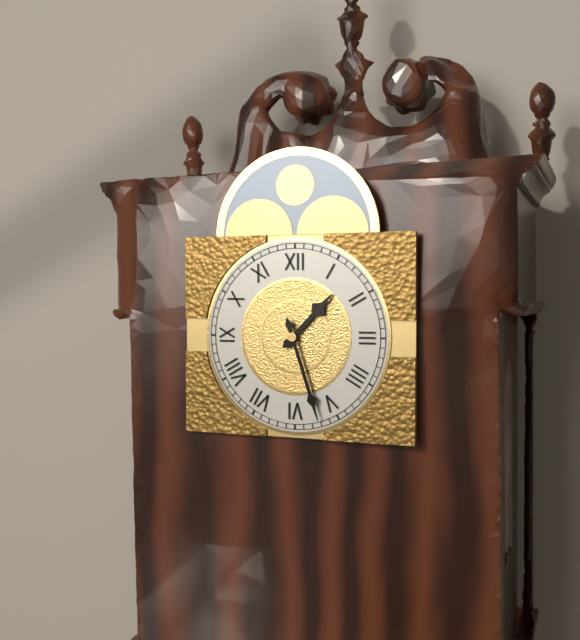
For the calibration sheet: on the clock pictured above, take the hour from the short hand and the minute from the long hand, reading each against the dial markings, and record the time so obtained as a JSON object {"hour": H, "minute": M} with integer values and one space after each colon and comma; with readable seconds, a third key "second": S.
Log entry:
{"hour": 1, "minute": 27}
